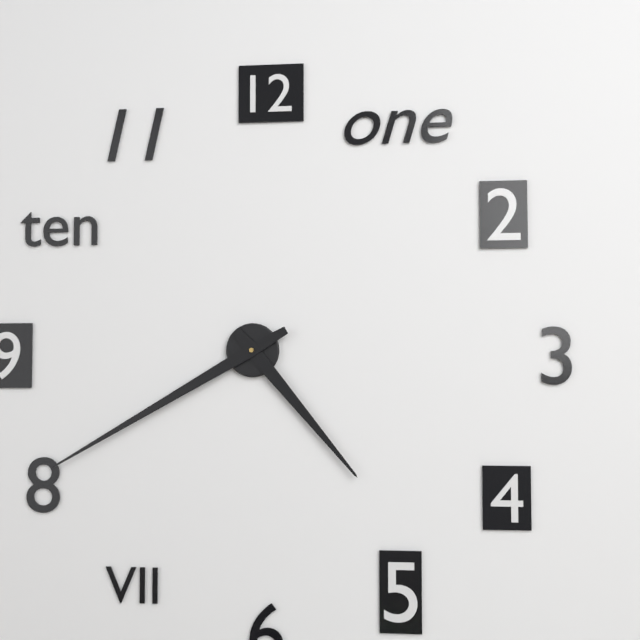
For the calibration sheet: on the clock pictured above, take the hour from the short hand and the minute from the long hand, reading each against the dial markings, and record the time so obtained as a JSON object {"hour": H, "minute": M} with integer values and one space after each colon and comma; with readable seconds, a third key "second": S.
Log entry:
{"hour": 4, "minute": 40}
